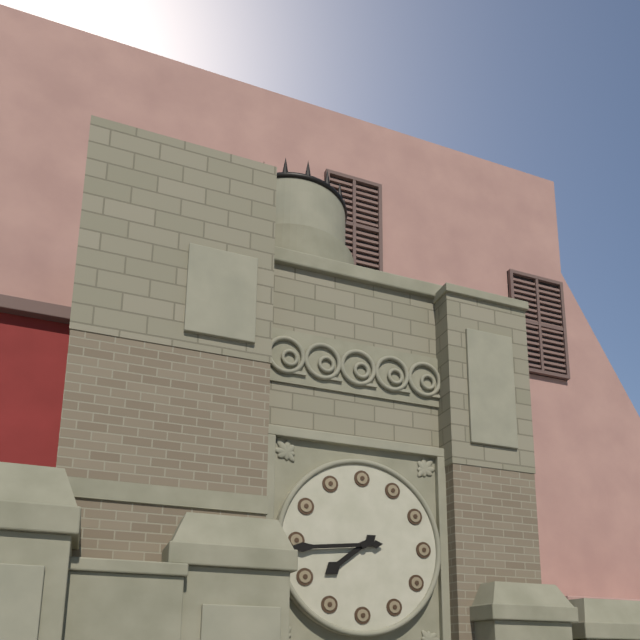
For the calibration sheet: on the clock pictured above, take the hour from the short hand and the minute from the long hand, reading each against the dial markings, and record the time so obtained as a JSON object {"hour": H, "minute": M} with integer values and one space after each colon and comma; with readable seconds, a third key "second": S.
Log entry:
{"hour": 7, "minute": 44}
